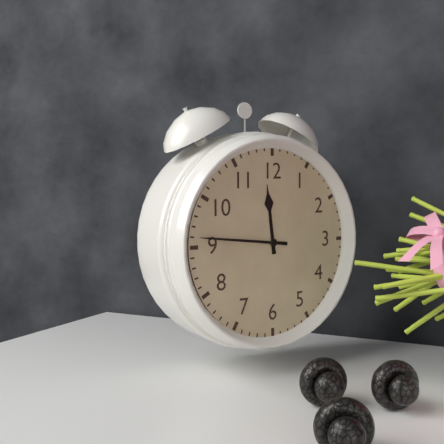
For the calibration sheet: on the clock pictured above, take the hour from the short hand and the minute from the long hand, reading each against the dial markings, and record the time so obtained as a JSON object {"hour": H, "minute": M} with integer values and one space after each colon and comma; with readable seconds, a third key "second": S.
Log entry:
{"hour": 11, "minute": 46}
